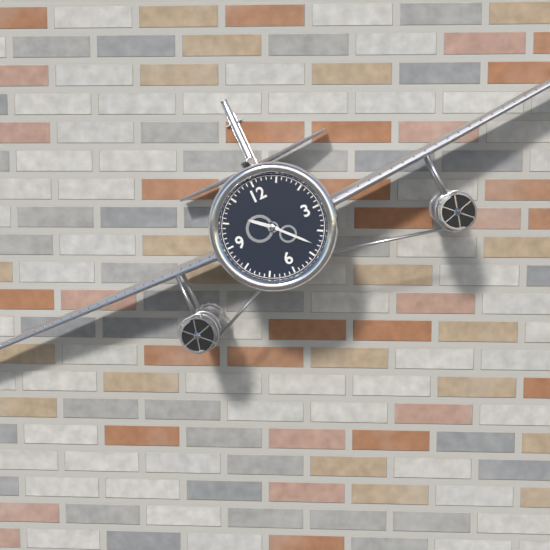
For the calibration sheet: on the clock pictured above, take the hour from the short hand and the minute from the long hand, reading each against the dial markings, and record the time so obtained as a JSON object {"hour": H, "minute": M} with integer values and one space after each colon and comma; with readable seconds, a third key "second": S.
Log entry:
{"hour": 10, "minute": 23}
